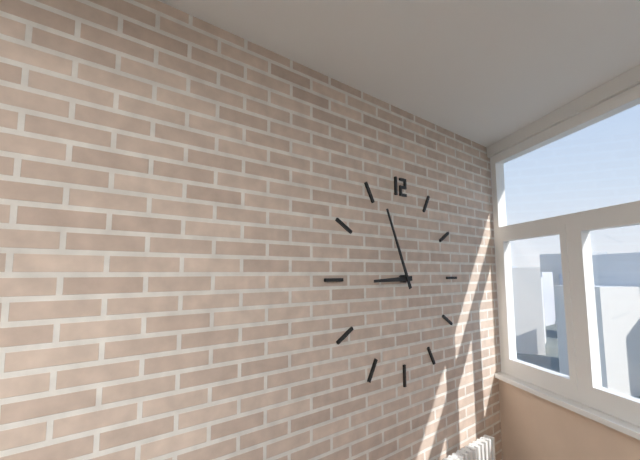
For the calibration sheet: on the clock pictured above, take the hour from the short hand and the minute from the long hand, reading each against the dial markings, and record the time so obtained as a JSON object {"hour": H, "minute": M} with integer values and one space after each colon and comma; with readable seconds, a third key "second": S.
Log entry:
{"hour": 8, "minute": 56}
